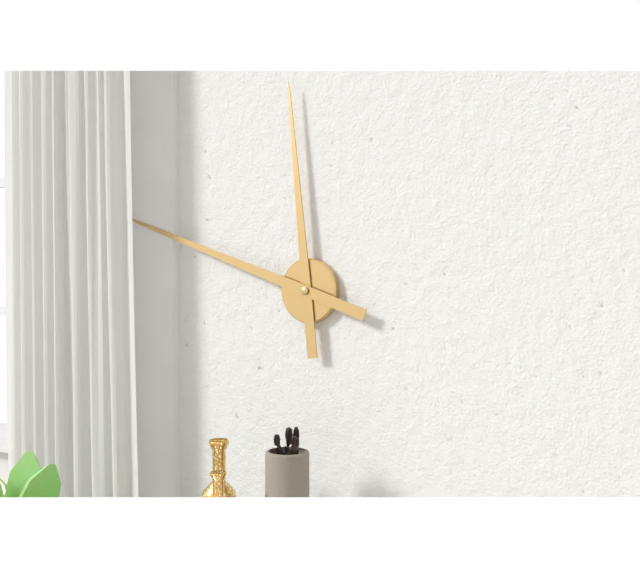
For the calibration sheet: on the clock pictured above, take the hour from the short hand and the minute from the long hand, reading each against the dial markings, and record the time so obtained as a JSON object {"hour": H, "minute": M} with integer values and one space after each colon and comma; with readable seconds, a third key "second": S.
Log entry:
{"hour": 11, "minute": 48}
